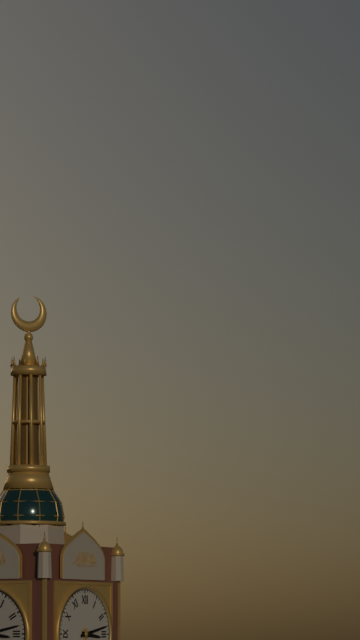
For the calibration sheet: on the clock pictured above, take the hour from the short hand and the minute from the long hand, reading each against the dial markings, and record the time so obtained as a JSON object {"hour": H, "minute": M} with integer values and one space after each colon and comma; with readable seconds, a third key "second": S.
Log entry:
{"hour": 3, "minute": 13}
